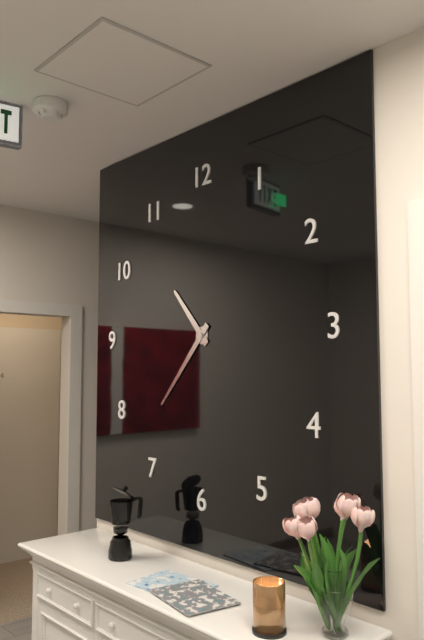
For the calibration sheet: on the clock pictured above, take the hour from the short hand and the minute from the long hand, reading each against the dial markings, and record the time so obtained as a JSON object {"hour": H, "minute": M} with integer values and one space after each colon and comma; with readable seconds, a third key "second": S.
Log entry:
{"hour": 10, "minute": 37}
